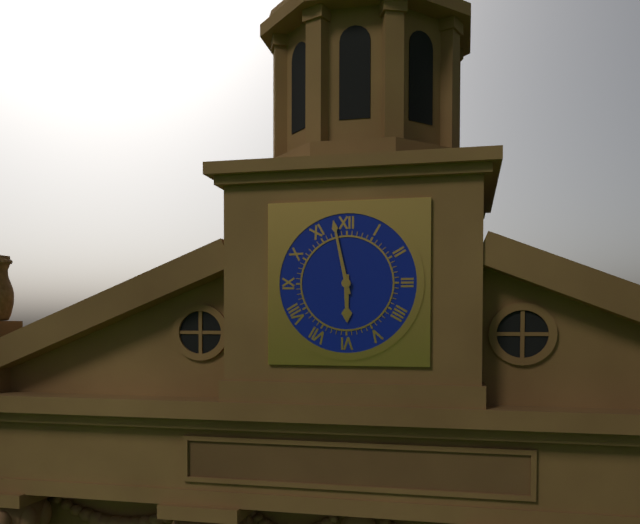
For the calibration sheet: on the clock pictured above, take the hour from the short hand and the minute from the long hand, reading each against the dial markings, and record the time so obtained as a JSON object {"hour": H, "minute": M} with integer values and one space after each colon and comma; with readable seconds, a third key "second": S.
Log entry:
{"hour": 5, "minute": 58}
